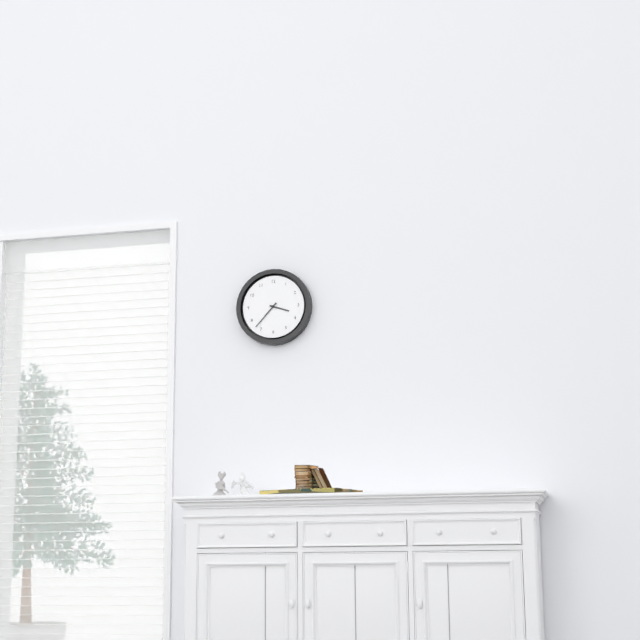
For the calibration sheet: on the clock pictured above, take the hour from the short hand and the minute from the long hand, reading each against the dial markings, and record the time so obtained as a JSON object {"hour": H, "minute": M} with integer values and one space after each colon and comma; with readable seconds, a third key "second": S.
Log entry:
{"hour": 3, "minute": 37}
